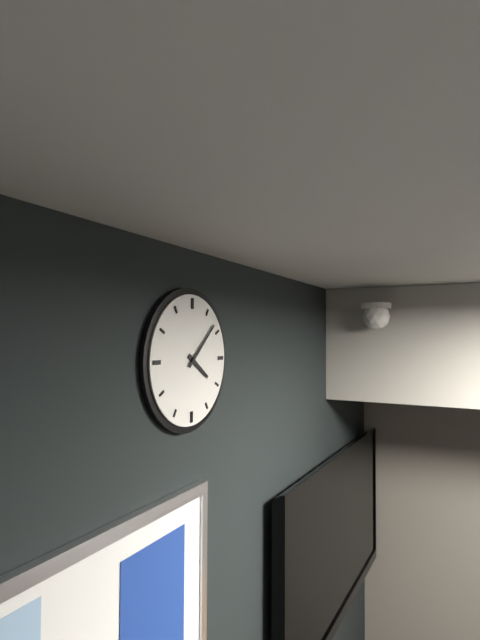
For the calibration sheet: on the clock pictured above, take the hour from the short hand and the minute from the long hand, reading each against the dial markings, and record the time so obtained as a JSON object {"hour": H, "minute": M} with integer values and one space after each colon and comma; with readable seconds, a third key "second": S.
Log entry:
{"hour": 4, "minute": 8}
